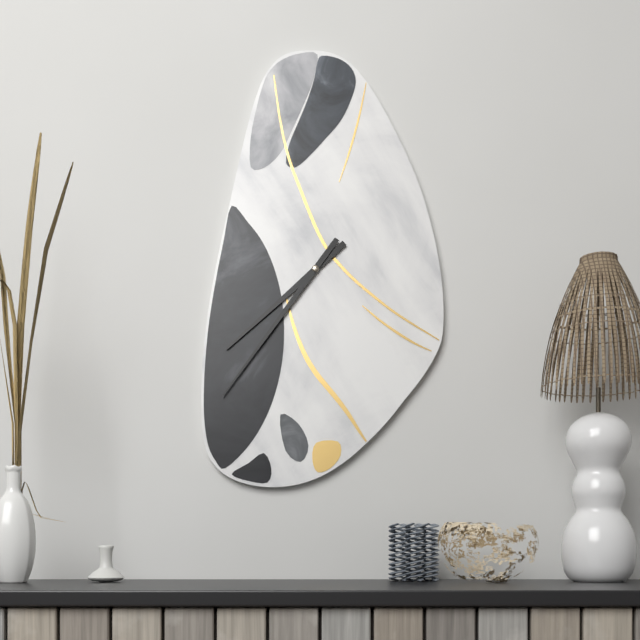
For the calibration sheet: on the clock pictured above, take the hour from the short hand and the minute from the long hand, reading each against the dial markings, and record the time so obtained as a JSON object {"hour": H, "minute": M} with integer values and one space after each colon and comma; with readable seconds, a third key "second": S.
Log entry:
{"hour": 7, "minute": 36}
